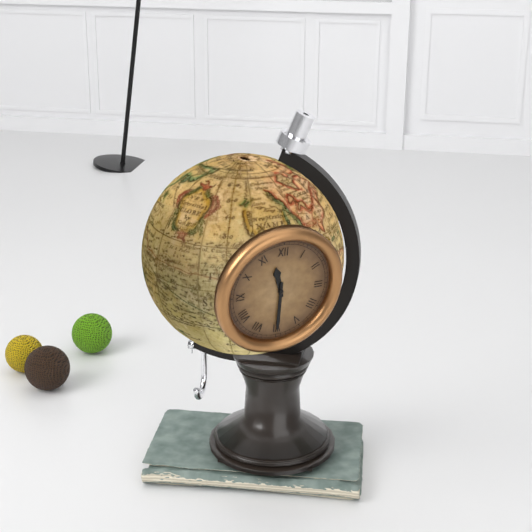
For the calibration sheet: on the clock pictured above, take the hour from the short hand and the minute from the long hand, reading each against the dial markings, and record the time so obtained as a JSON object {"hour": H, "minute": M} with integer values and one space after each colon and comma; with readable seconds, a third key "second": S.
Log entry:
{"hour": 11, "minute": 30}
